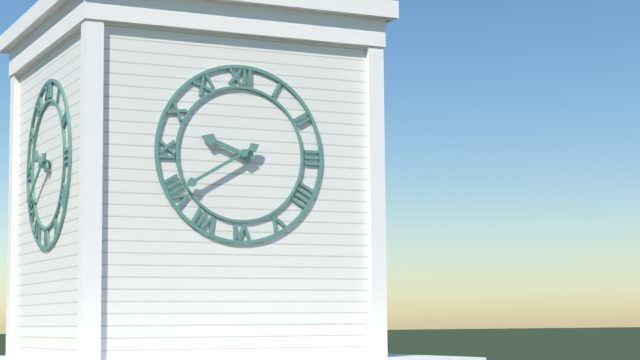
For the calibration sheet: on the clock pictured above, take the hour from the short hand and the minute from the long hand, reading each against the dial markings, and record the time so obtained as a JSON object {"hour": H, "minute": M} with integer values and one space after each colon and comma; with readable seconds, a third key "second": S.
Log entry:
{"hour": 9, "minute": 40}
